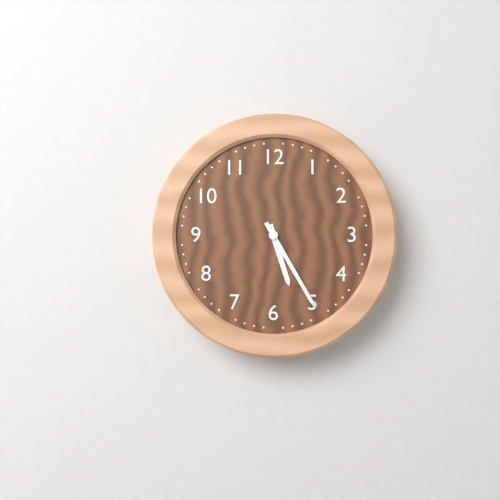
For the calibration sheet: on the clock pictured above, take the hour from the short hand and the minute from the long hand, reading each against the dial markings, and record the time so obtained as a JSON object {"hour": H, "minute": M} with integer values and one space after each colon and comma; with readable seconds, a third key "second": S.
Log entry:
{"hour": 5, "minute": 25}
